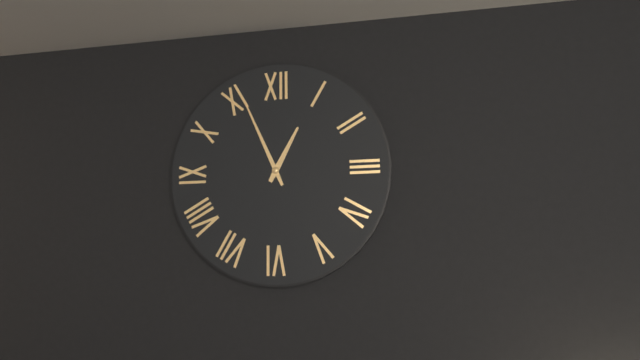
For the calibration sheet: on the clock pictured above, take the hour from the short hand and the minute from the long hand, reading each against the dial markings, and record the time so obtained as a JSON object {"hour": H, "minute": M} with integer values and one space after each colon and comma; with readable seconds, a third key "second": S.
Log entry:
{"hour": 12, "minute": 56}
